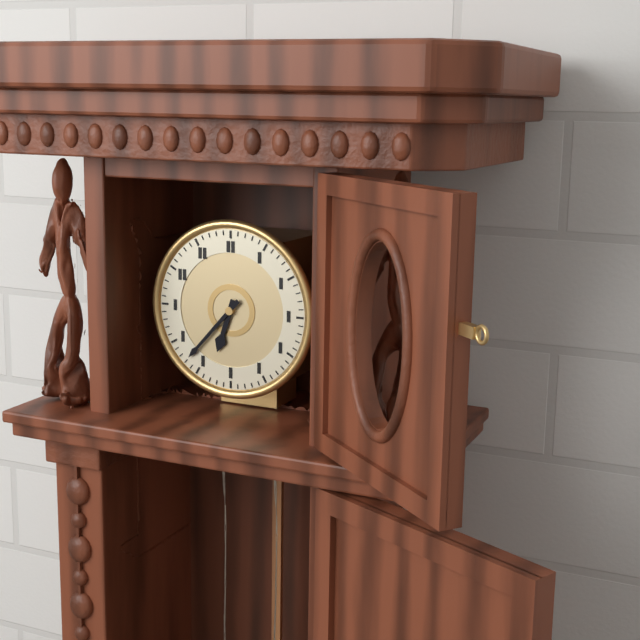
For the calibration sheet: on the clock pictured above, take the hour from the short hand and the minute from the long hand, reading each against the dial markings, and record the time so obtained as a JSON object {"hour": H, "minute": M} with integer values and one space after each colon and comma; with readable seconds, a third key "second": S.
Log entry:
{"hour": 6, "minute": 37}
